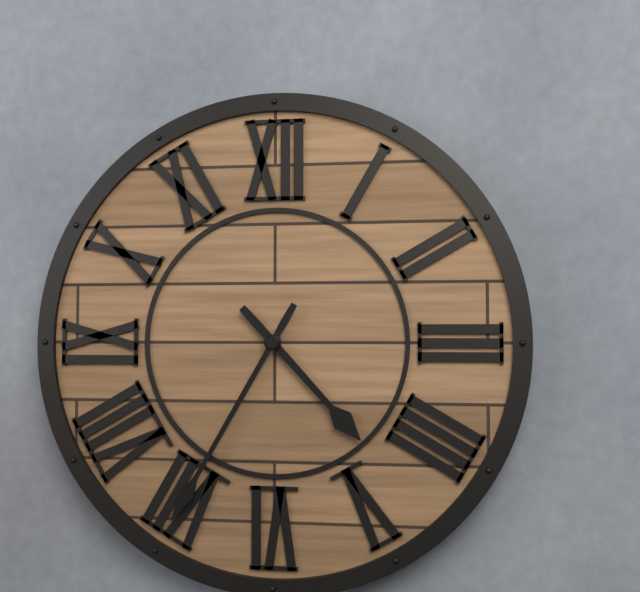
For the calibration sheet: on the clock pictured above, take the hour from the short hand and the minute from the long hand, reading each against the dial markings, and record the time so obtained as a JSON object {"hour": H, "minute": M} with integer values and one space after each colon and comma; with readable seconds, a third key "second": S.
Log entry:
{"hour": 4, "minute": 35}
